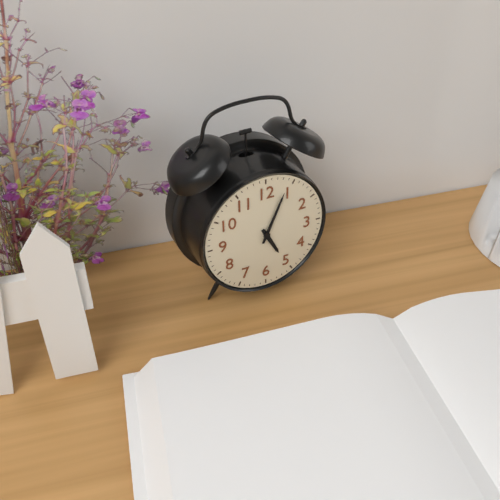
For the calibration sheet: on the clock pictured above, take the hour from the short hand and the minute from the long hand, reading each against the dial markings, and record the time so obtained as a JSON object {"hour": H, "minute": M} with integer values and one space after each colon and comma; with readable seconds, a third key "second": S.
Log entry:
{"hour": 5, "minute": 4}
